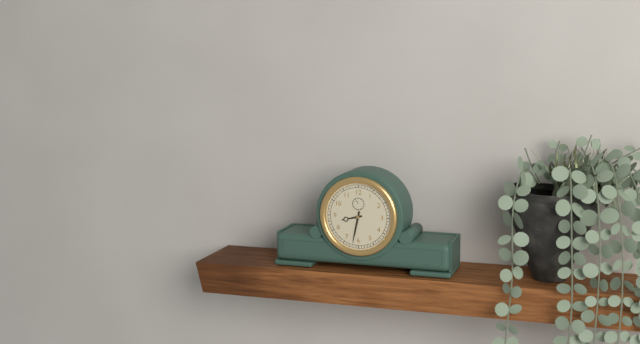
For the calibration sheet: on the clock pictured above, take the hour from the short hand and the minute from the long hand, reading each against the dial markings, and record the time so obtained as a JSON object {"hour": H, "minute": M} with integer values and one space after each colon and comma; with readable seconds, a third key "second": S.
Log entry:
{"hour": 8, "minute": 32}
